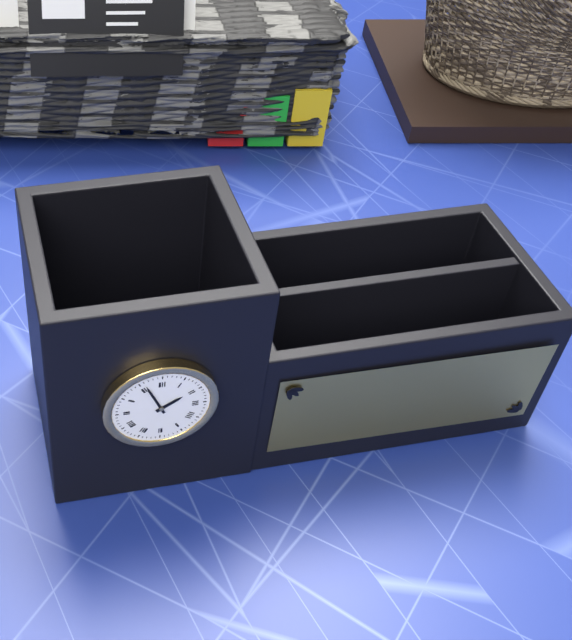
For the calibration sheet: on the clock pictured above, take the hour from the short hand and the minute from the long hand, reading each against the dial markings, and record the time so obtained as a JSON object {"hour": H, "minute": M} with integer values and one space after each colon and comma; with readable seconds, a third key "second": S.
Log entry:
{"hour": 1, "minute": 56}
